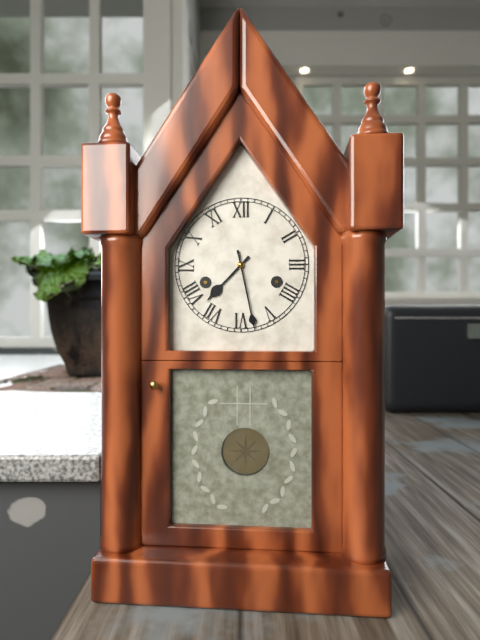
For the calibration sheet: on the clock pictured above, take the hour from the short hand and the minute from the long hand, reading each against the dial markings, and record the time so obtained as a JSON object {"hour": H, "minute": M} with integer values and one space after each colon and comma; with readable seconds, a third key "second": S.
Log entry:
{"hour": 7, "minute": 28}
